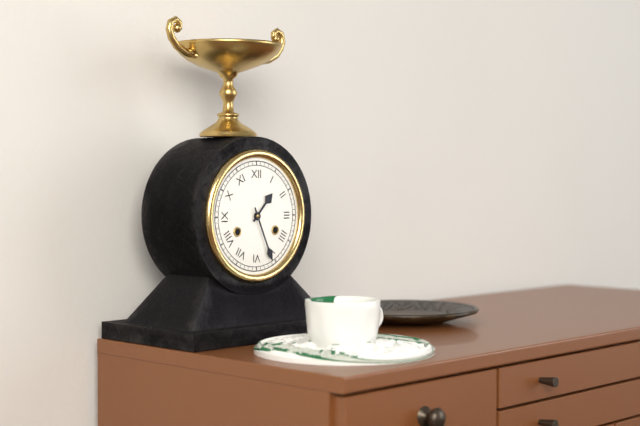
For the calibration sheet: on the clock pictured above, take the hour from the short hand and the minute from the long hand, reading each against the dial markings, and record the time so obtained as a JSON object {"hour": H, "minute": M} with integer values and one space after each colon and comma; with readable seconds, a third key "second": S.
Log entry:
{"hour": 1, "minute": 26}
